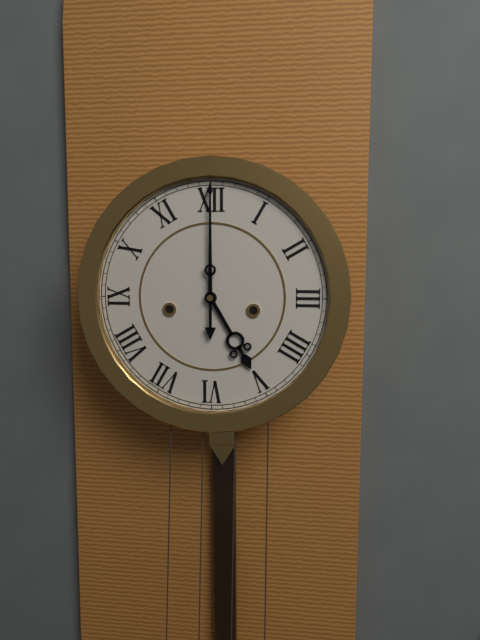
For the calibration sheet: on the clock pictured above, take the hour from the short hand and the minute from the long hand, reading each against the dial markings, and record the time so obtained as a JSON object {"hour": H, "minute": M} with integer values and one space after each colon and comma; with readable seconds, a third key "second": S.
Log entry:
{"hour": 5, "minute": 0}
